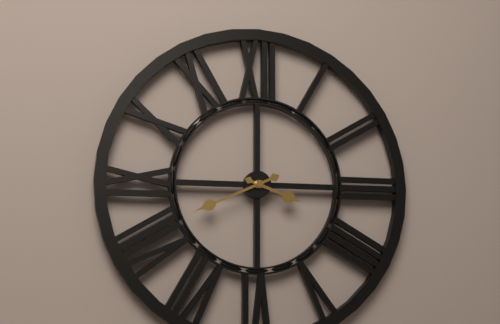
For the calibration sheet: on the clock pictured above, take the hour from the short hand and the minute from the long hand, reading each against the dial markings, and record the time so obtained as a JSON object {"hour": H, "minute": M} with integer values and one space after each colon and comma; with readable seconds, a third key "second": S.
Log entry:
{"hour": 3, "minute": 41}
